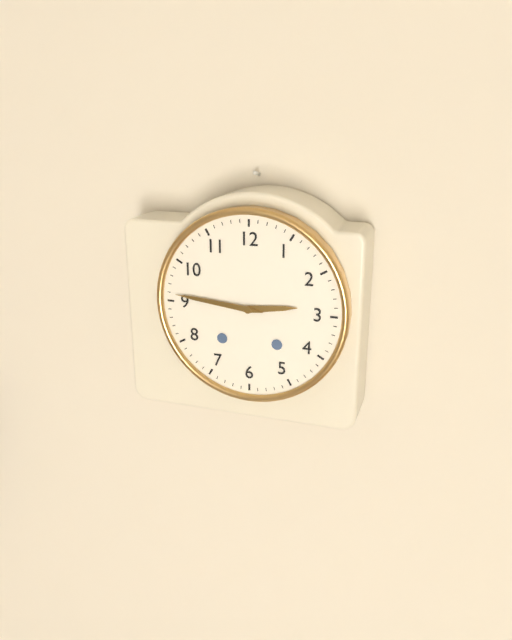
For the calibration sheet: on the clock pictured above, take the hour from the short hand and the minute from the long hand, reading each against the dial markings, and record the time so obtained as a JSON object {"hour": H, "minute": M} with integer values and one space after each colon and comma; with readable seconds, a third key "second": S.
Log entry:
{"hour": 2, "minute": 46}
